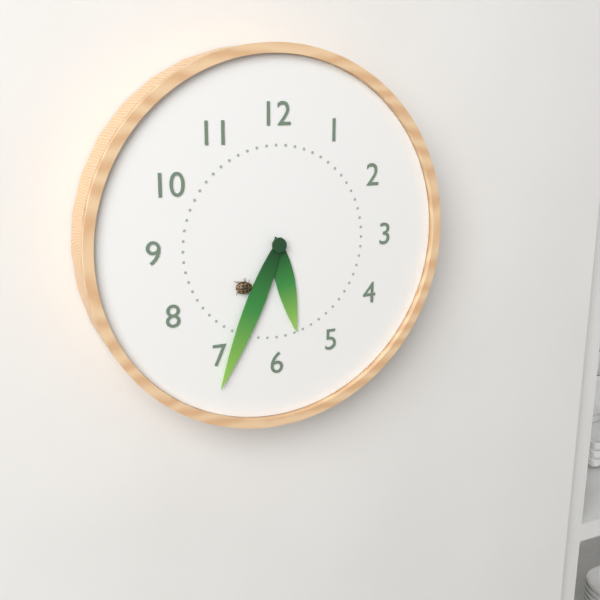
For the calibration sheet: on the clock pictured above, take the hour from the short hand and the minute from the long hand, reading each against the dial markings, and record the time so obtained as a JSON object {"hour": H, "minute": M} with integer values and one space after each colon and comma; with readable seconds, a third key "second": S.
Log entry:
{"hour": 5, "minute": 34}
